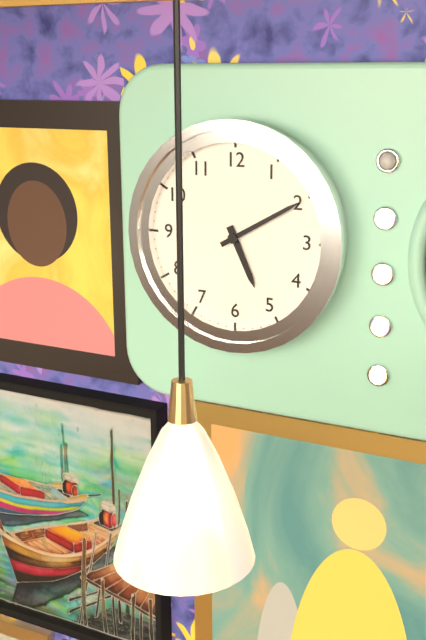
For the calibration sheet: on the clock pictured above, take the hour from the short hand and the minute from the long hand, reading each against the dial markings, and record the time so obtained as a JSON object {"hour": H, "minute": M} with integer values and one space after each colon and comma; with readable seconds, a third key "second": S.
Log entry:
{"hour": 5, "minute": 10}
